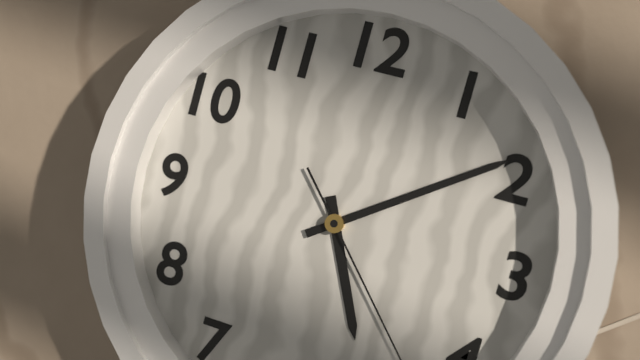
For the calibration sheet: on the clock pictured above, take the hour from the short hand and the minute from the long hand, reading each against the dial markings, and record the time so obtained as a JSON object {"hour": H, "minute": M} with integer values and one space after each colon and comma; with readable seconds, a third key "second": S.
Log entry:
{"hour": 5, "minute": 9}
